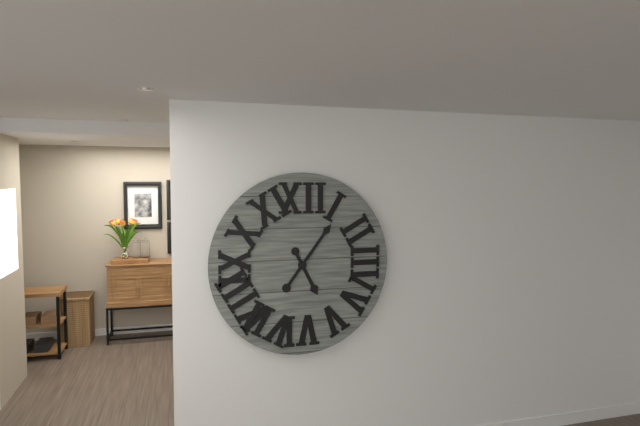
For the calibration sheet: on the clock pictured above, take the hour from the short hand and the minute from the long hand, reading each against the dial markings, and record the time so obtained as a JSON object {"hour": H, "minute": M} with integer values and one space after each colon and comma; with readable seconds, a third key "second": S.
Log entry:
{"hour": 5, "minute": 6}
